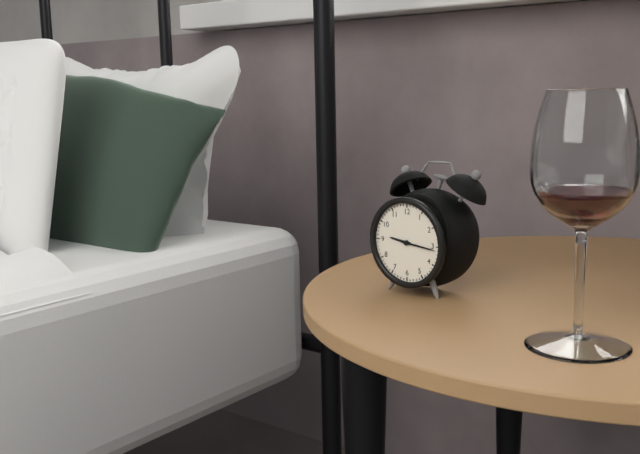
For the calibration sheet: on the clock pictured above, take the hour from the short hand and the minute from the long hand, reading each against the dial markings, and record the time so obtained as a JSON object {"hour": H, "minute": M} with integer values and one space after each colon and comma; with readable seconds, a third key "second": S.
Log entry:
{"hour": 9, "minute": 16}
